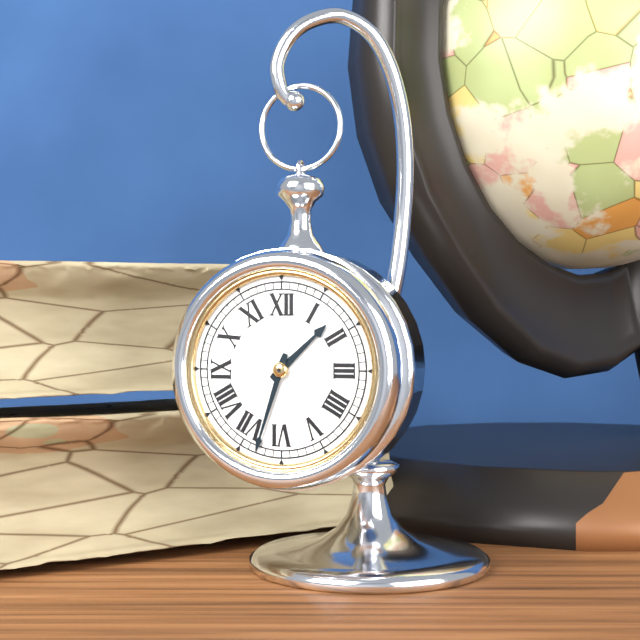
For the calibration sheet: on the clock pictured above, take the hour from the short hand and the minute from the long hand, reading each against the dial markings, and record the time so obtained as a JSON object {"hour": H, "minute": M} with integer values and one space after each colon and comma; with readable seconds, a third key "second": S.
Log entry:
{"hour": 1, "minute": 33}
